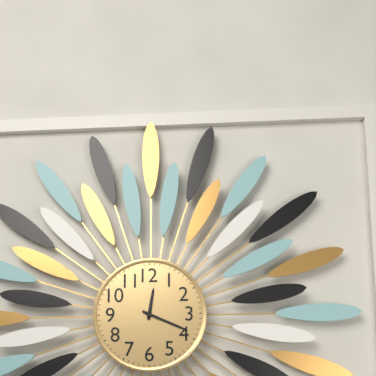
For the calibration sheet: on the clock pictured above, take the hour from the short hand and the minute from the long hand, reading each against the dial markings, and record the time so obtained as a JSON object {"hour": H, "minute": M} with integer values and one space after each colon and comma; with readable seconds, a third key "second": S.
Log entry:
{"hour": 12, "minute": 19}
